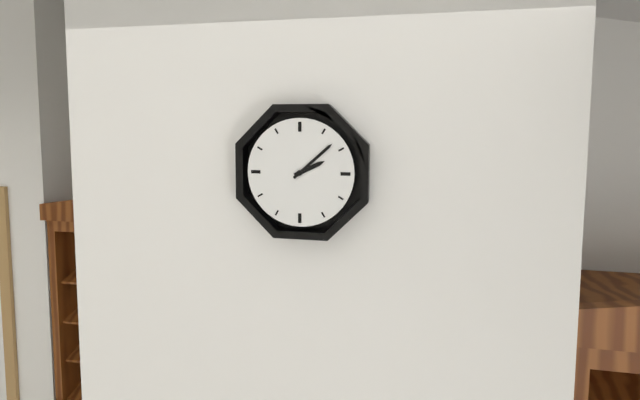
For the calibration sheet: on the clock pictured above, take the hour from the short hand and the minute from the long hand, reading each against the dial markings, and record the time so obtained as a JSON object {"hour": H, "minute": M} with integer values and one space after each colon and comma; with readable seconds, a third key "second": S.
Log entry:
{"hour": 2, "minute": 8}
